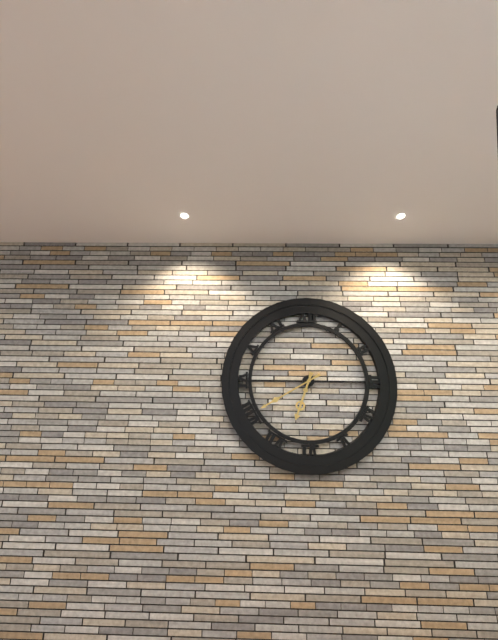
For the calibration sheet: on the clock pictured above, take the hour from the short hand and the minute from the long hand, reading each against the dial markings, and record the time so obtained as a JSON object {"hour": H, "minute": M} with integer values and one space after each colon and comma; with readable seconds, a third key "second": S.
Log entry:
{"hour": 6, "minute": 40}
